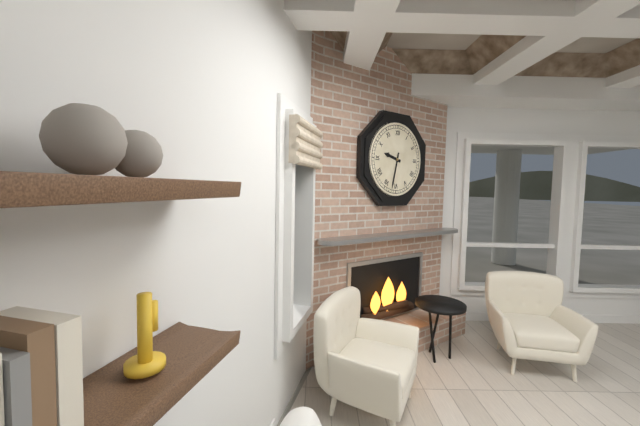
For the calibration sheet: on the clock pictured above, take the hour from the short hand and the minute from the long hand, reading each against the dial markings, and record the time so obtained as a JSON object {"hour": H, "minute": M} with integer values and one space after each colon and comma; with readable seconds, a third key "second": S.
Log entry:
{"hour": 9, "minute": 32}
